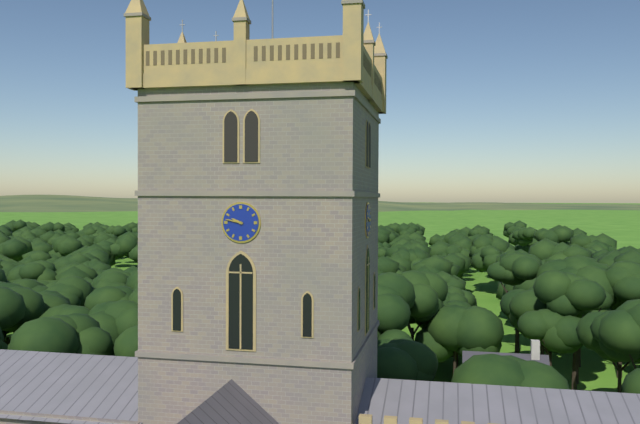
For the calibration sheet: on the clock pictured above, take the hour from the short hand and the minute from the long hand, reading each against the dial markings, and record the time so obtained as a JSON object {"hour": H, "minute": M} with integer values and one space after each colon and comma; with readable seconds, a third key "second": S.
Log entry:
{"hour": 9, "minute": 47}
